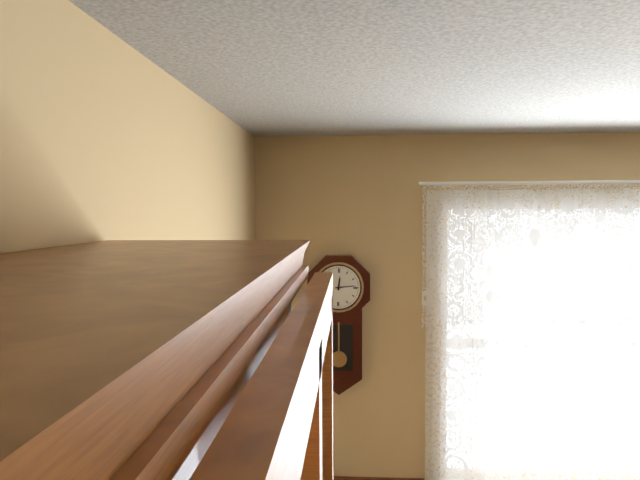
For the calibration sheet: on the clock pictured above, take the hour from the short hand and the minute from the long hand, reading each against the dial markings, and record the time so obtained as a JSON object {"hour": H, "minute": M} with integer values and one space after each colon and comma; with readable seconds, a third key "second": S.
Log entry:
{"hour": 12, "minute": 14}
